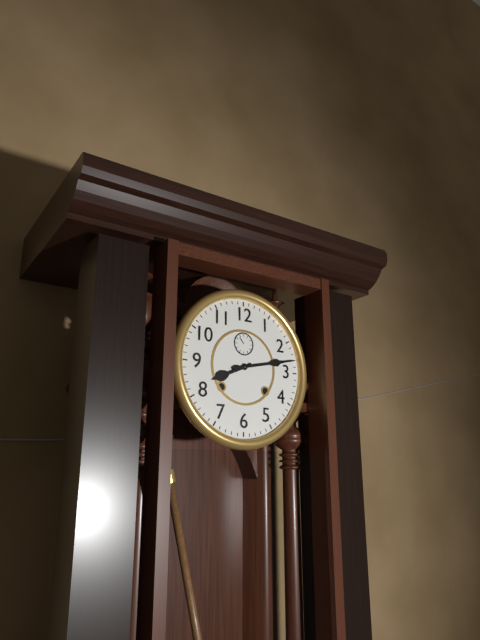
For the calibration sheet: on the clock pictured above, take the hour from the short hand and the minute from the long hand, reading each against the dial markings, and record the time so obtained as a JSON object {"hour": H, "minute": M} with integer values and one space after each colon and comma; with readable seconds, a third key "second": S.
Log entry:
{"hour": 8, "minute": 13}
